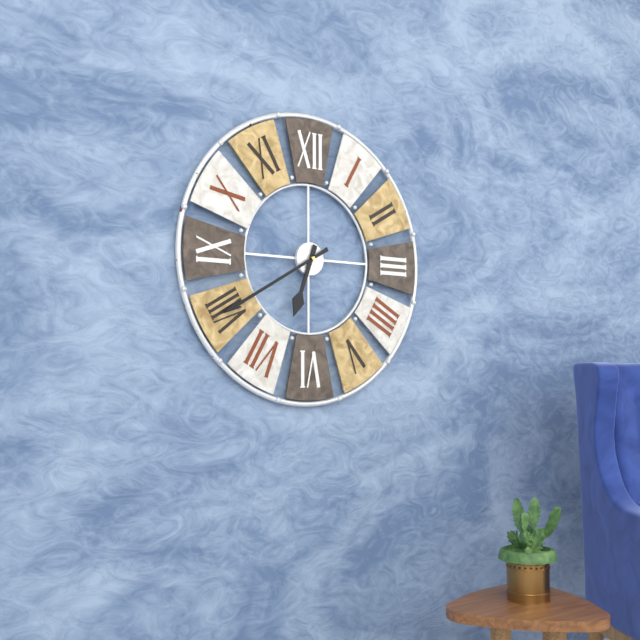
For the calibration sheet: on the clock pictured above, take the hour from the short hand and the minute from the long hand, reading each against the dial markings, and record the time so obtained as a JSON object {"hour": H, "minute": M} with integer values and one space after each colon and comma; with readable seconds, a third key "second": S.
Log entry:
{"hour": 6, "minute": 40}
